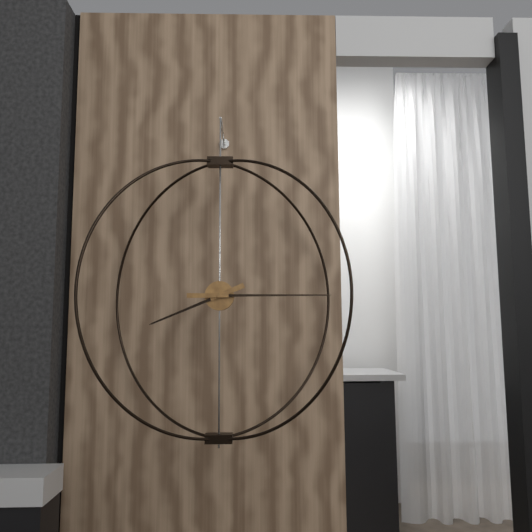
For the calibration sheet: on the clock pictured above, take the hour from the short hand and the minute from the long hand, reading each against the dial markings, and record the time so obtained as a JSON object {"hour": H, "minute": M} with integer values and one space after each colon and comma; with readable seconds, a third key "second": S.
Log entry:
{"hour": 8, "minute": 15}
